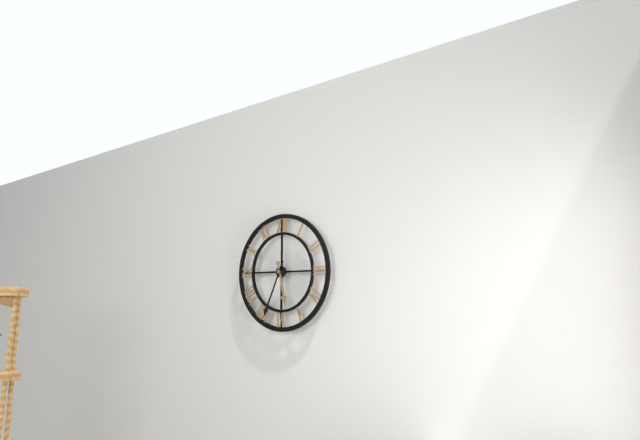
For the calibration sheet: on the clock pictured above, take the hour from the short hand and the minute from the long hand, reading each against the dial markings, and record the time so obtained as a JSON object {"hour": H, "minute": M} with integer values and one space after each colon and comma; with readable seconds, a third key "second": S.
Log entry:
{"hour": 5, "minute": 34}
